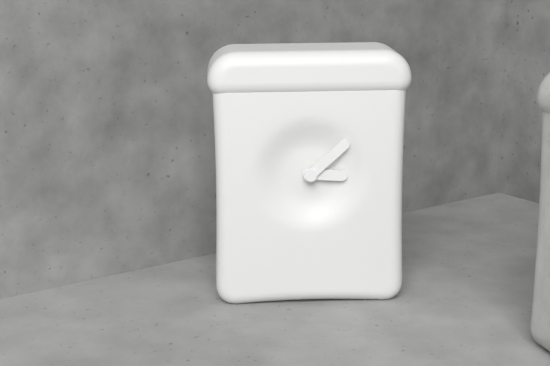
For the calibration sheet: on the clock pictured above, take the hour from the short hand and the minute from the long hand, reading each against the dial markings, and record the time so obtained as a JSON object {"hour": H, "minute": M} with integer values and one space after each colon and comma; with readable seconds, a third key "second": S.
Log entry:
{"hour": 3, "minute": 8}
